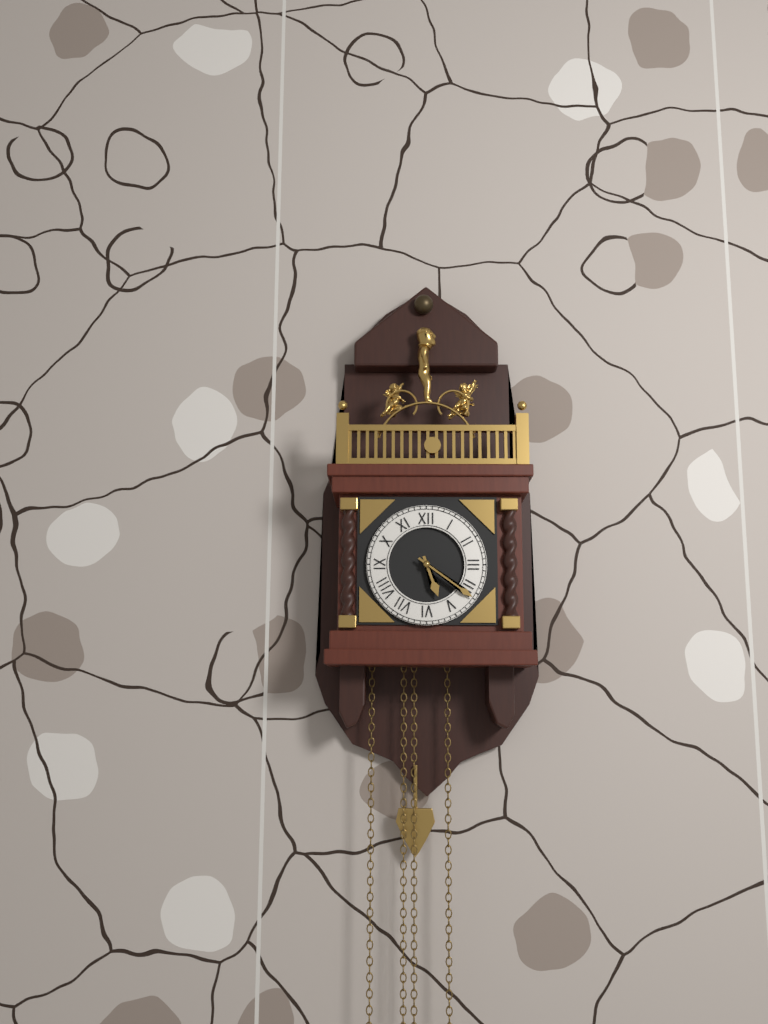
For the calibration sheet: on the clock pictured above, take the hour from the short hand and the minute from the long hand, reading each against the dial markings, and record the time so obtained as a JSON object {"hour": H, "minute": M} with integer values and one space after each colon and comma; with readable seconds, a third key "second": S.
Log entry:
{"hour": 5, "minute": 21}
